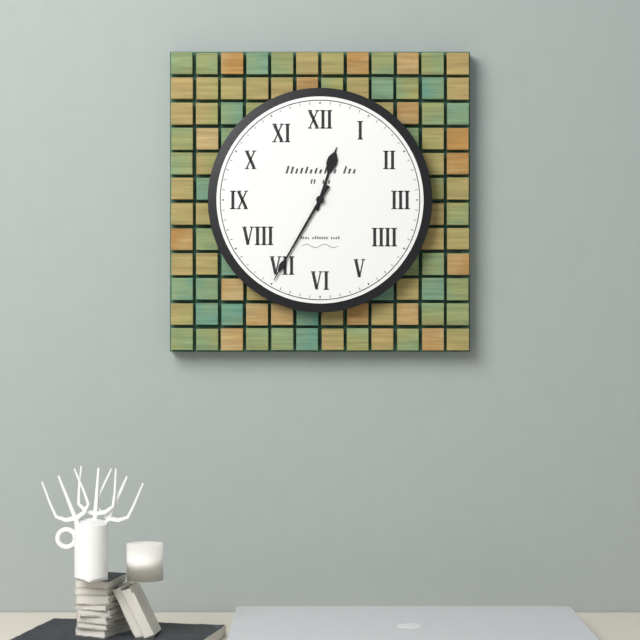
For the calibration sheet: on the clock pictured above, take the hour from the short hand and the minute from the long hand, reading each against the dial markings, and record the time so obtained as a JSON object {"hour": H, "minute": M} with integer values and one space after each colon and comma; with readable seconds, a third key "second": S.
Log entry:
{"hour": 12, "minute": 35}
